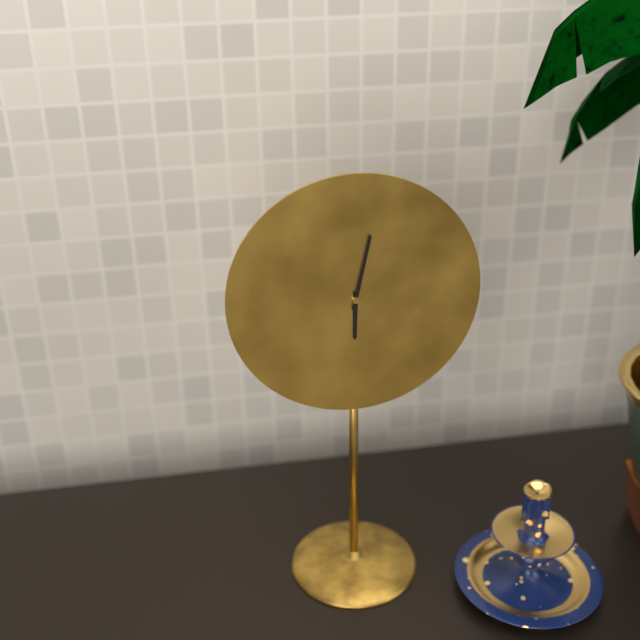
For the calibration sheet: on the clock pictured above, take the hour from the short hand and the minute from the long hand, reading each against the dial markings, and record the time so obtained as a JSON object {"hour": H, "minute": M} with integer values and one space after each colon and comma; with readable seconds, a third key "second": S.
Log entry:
{"hour": 6, "minute": 2}
